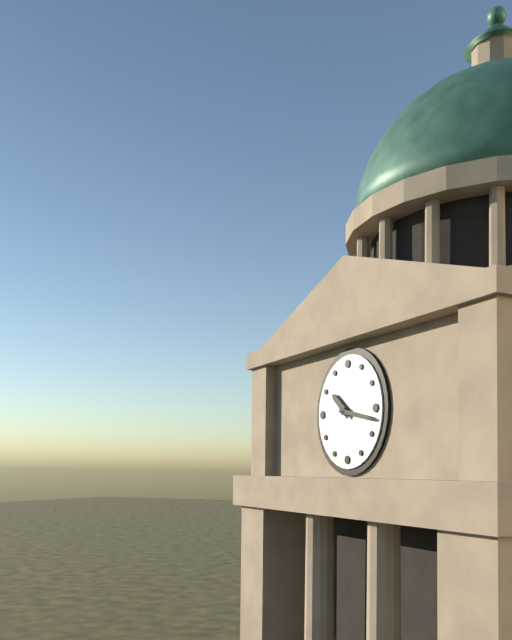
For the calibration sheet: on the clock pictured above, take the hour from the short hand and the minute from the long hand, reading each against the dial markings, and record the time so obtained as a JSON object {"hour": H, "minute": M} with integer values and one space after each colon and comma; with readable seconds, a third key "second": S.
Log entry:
{"hour": 10, "minute": 17}
